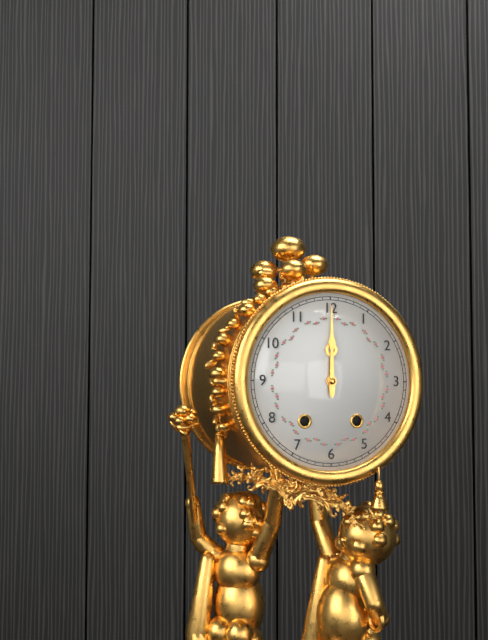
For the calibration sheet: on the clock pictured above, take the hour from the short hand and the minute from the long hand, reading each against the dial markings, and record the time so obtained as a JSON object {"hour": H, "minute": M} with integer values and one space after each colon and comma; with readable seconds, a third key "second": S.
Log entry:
{"hour": 12, "minute": 0}
